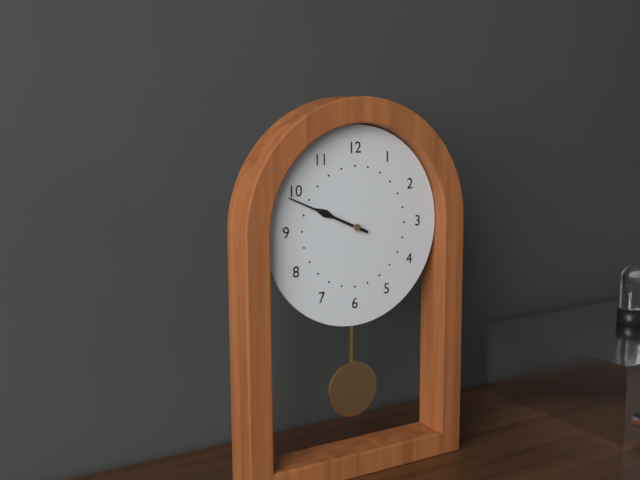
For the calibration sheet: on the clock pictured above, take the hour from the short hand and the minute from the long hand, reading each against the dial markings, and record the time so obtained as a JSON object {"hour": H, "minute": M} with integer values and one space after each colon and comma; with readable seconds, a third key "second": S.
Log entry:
{"hour": 9, "minute": 49}
